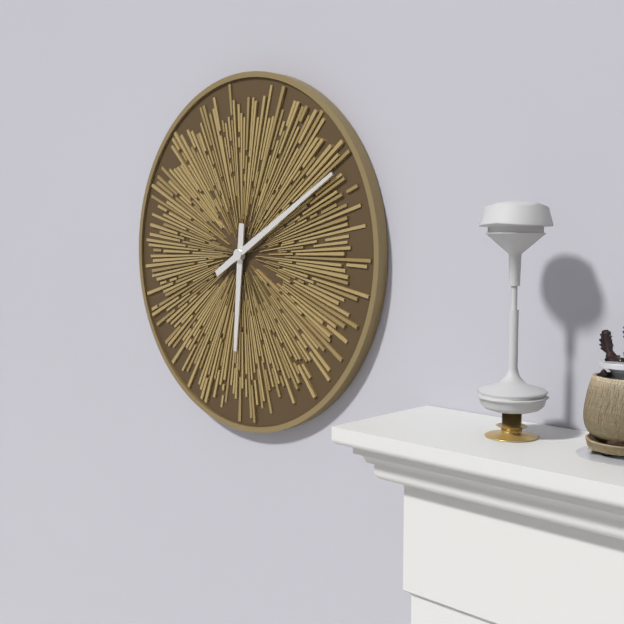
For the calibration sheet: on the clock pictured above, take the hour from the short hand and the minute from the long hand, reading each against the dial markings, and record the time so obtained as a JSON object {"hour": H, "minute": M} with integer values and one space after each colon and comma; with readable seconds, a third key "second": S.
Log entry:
{"hour": 6, "minute": 10}
